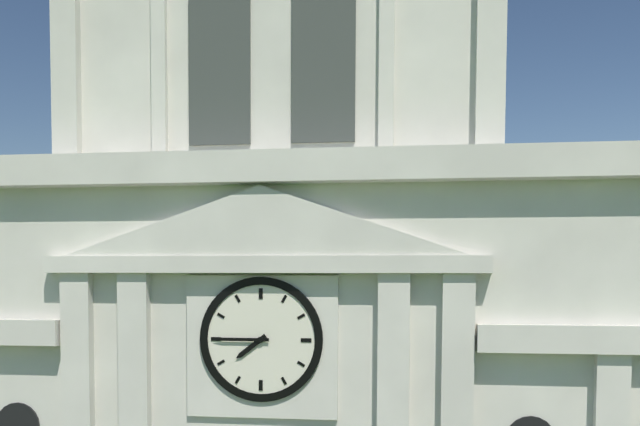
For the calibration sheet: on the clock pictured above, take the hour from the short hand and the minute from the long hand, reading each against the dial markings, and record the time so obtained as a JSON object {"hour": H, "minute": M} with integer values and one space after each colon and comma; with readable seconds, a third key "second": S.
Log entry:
{"hour": 7, "minute": 45}
